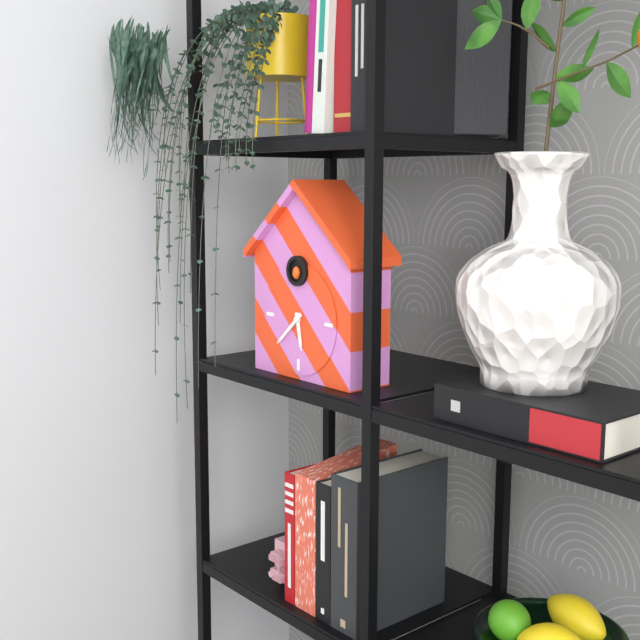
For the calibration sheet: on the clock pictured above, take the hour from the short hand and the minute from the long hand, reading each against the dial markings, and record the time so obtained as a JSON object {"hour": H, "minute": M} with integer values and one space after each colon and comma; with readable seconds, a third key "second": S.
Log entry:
{"hour": 5, "minute": 38}
